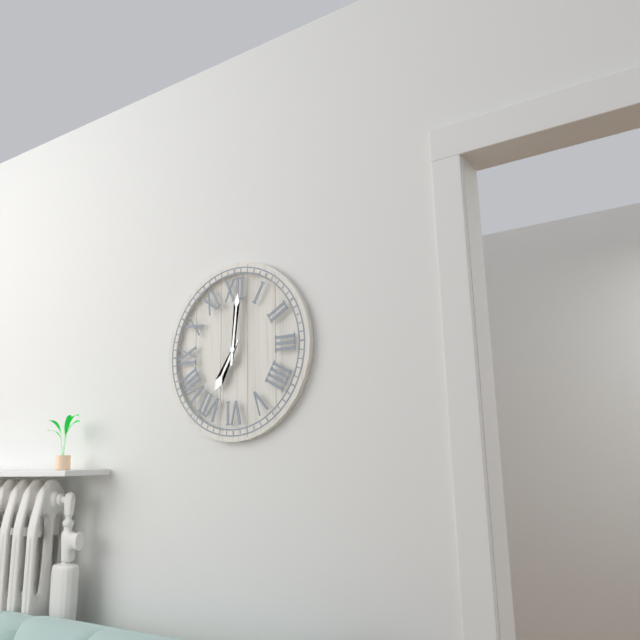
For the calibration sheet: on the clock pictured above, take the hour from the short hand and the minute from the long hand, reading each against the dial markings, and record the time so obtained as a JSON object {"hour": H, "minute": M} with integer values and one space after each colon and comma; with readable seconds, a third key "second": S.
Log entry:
{"hour": 7, "minute": 1}
